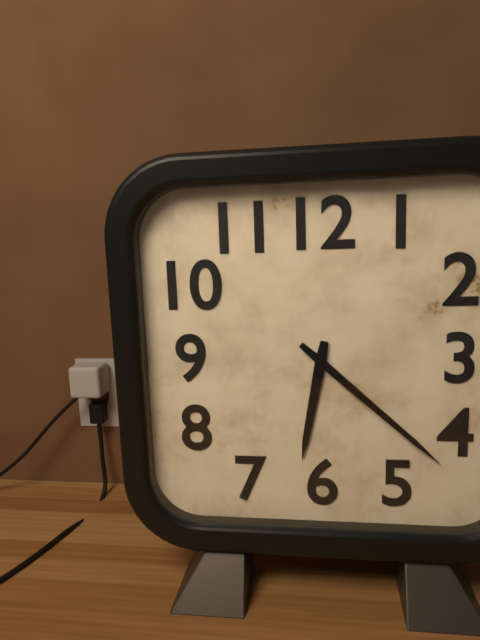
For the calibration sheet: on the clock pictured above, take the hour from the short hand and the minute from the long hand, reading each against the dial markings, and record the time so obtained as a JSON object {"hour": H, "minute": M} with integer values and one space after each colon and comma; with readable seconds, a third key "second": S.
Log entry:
{"hour": 6, "minute": 22}
